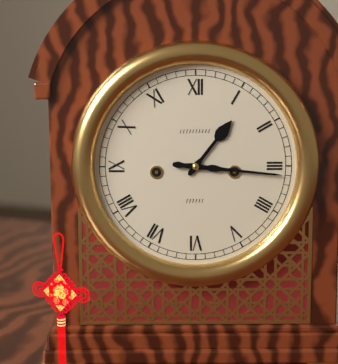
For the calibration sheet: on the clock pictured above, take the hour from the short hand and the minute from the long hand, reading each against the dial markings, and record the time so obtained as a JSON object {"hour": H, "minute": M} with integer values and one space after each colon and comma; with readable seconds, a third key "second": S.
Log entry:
{"hour": 1, "minute": 16}
